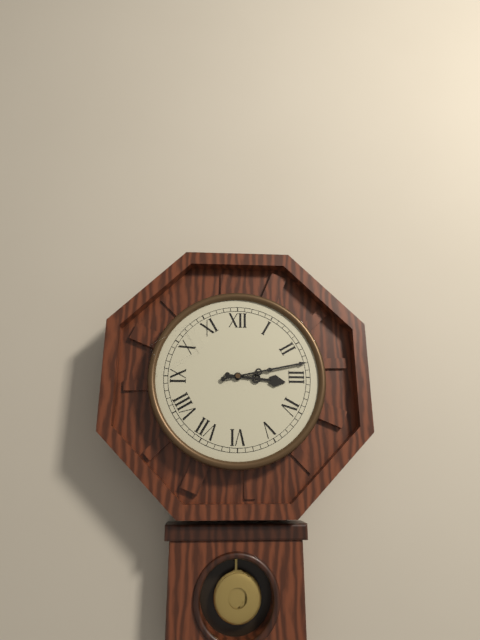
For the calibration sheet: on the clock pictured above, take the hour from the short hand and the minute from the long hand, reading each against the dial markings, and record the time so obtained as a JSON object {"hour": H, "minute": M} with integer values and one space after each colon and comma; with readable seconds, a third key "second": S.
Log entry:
{"hour": 3, "minute": 13}
